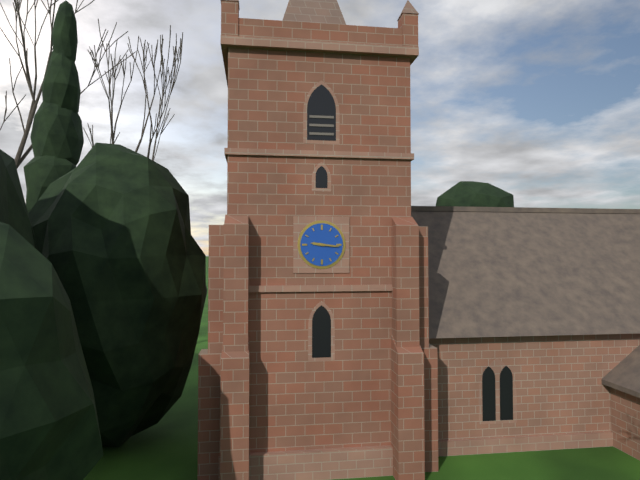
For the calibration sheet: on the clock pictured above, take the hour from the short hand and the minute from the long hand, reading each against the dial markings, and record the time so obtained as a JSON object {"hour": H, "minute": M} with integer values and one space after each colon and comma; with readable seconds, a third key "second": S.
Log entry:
{"hour": 9, "minute": 16}
